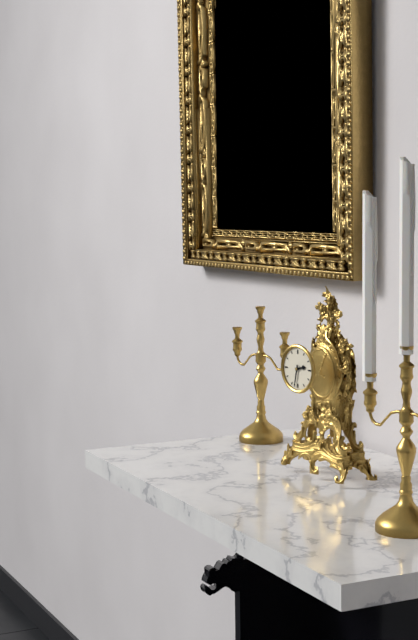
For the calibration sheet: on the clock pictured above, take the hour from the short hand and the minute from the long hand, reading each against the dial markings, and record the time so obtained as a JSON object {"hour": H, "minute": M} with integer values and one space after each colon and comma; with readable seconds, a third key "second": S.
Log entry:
{"hour": 2, "minute": 32}
